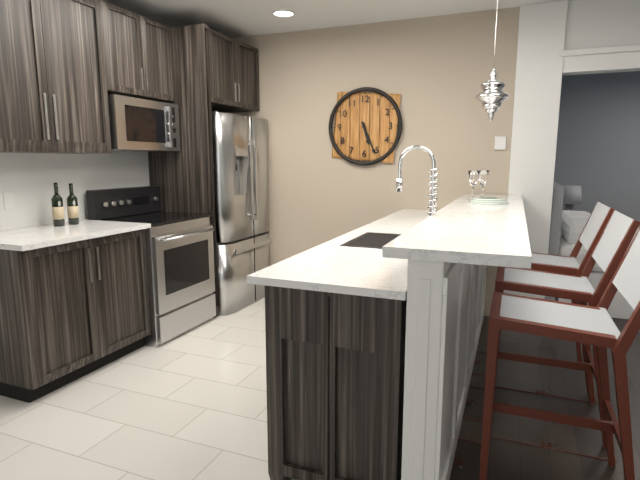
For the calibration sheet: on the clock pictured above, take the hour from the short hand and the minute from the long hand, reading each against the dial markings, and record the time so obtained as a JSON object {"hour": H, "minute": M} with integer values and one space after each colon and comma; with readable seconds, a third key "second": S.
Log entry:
{"hour": 5, "minute": 26}
